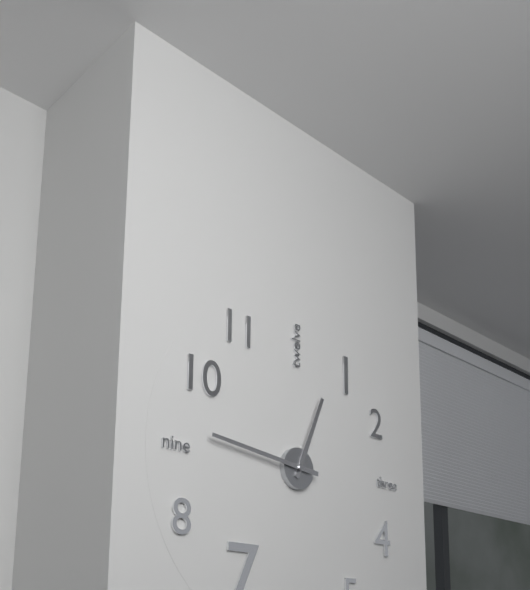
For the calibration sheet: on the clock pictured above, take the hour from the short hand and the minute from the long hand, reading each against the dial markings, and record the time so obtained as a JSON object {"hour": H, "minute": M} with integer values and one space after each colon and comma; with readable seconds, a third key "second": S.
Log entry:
{"hour": 12, "minute": 46}
